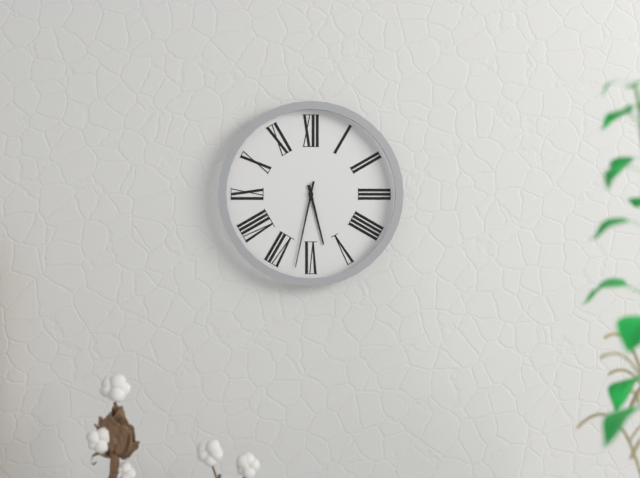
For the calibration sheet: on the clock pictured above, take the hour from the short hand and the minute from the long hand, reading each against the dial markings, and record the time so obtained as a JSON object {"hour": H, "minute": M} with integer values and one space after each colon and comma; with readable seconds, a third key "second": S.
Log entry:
{"hour": 5, "minute": 32}
